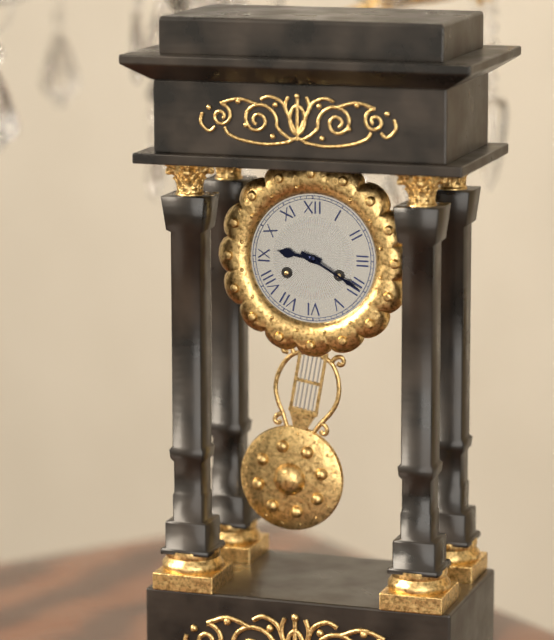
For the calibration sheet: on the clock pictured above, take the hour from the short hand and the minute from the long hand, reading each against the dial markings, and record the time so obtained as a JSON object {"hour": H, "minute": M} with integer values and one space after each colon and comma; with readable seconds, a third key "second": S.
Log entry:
{"hour": 9, "minute": 20}
